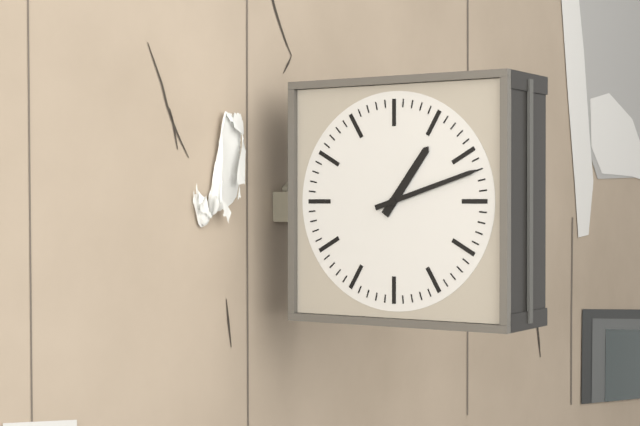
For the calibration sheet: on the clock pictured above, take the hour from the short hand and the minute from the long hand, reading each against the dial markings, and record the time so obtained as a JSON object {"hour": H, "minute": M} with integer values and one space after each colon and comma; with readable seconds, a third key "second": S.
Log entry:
{"hour": 1, "minute": 12}
